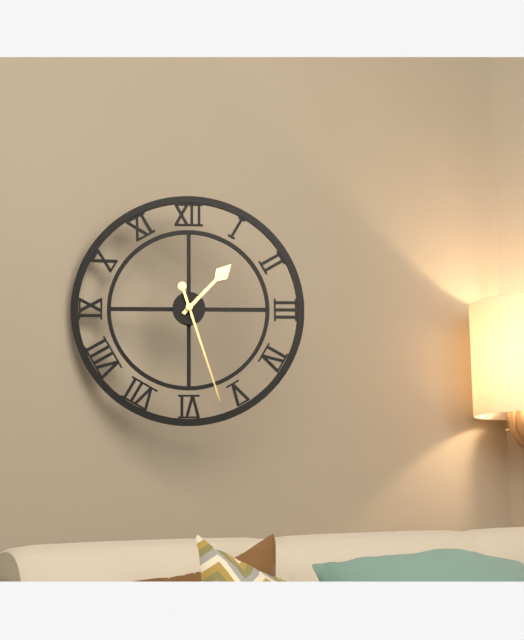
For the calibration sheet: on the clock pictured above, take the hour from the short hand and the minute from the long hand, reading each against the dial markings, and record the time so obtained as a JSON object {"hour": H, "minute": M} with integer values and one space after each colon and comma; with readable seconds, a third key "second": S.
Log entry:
{"hour": 1, "minute": 27}
